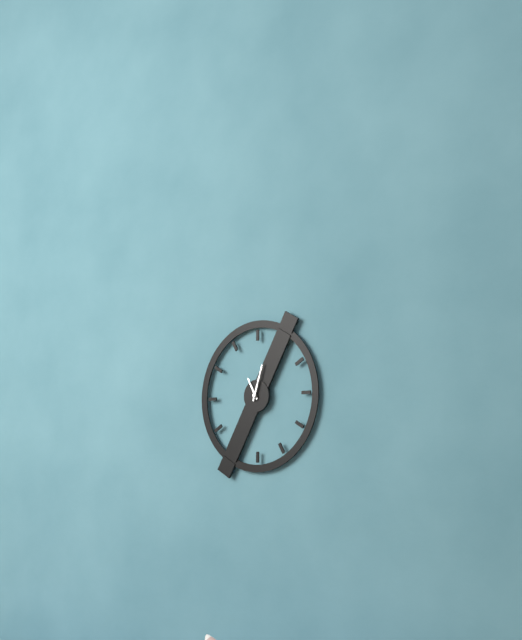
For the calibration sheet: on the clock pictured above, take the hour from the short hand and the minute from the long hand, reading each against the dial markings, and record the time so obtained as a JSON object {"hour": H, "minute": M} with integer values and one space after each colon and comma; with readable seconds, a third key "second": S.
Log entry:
{"hour": 11, "minute": 3}
